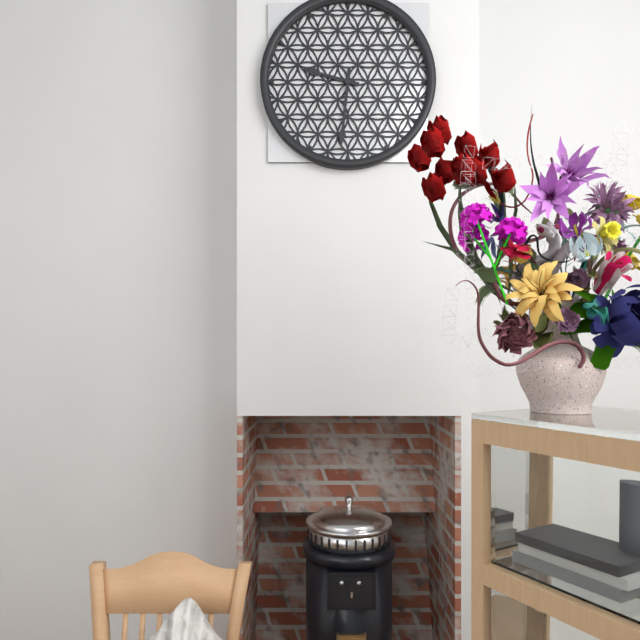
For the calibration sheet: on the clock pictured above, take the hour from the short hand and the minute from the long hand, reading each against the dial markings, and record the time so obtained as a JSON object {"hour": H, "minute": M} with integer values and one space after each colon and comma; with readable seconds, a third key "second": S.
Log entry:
{"hour": 9, "minute": 31}
